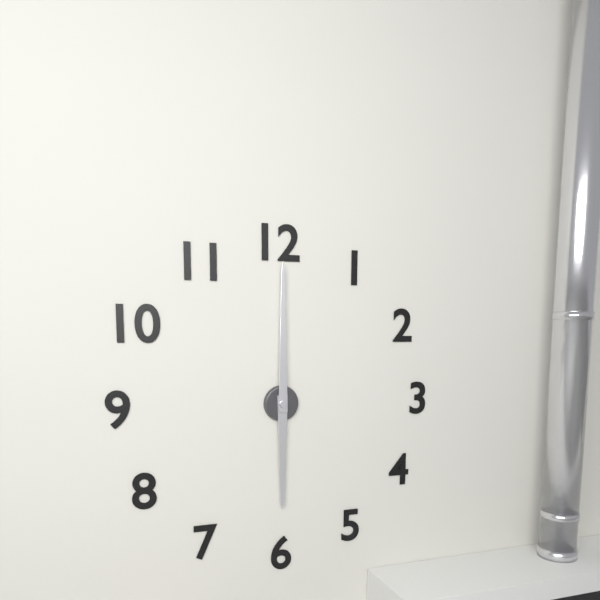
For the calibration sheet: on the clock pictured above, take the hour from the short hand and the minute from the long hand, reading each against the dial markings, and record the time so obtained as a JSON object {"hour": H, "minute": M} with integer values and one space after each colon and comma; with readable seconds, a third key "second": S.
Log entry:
{"hour": 6, "minute": 0}
